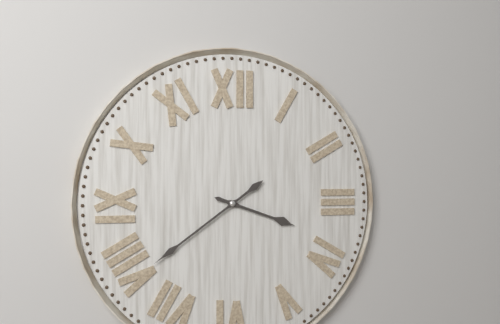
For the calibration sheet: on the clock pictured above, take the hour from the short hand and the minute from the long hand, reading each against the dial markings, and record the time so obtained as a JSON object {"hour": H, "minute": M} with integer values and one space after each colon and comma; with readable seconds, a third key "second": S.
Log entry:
{"hour": 3, "minute": 39}
